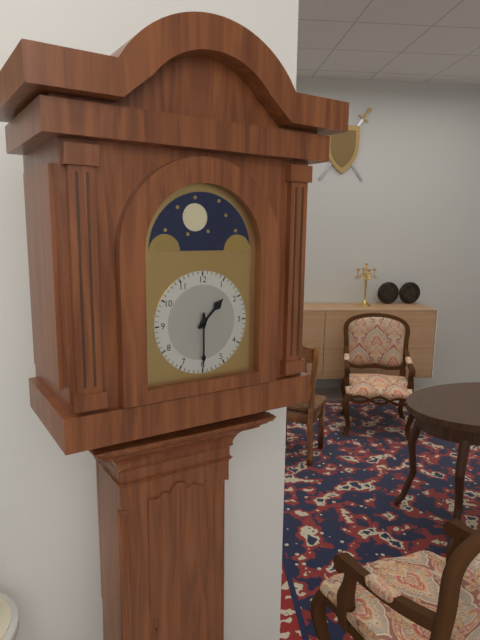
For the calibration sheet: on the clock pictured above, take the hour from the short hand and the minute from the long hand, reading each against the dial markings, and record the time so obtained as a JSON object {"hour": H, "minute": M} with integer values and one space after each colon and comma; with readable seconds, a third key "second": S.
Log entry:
{"hour": 1, "minute": 30}
